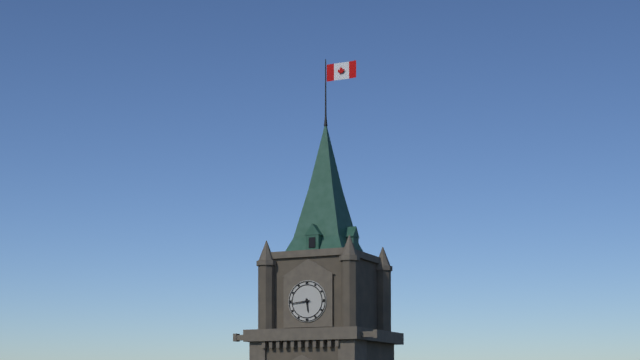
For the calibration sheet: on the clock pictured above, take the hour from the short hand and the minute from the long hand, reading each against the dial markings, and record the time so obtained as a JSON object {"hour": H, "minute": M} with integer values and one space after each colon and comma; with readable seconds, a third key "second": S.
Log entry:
{"hour": 5, "minute": 44}
